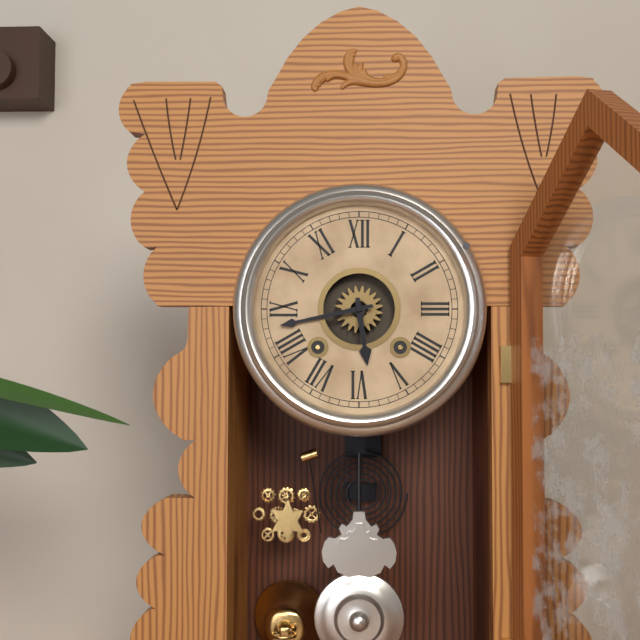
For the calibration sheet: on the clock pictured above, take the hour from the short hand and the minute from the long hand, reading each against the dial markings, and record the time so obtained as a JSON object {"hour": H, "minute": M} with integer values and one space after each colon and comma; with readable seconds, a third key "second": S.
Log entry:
{"hour": 5, "minute": 43}
